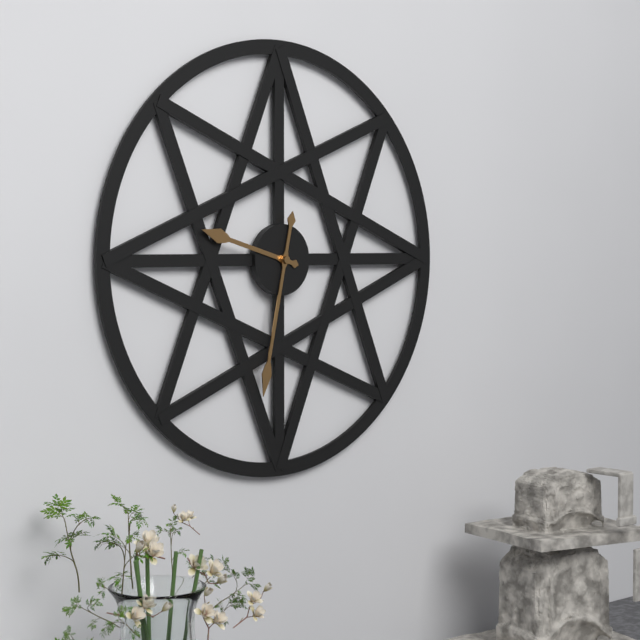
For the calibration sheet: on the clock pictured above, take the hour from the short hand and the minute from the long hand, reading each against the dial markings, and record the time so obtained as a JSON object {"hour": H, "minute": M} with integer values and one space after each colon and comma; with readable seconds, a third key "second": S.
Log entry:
{"hour": 9, "minute": 32}
